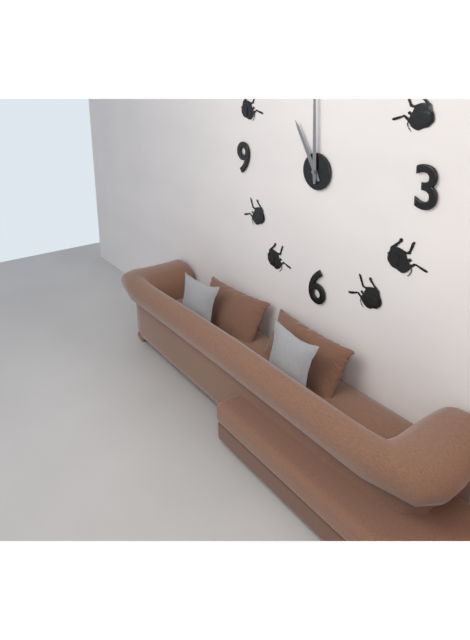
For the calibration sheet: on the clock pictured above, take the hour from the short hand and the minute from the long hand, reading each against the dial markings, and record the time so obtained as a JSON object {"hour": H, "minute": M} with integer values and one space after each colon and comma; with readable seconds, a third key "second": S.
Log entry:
{"hour": 11, "minute": 0}
